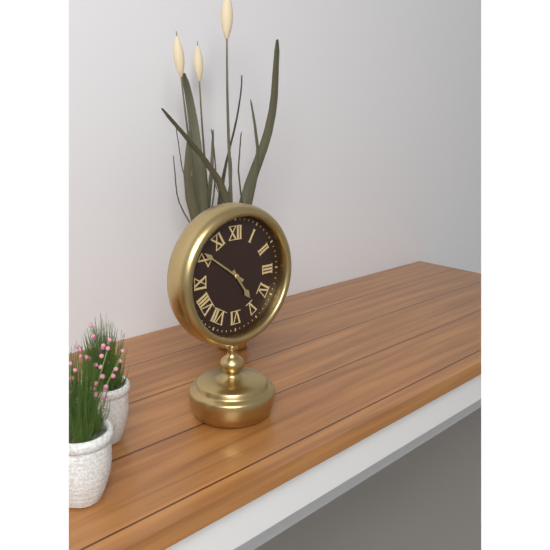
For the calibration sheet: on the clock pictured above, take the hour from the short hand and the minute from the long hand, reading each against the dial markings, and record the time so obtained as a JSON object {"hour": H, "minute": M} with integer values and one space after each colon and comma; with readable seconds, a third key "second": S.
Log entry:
{"hour": 4, "minute": 51}
